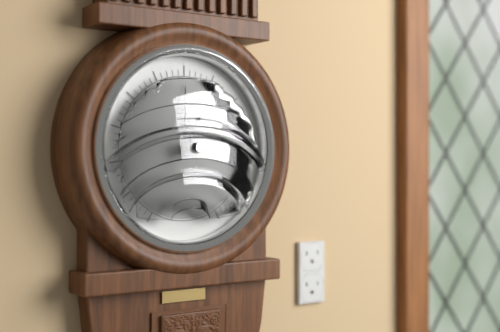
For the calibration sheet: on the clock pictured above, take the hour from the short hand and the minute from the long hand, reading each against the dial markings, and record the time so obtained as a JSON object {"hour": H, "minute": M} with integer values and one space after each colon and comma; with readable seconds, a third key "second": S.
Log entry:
{"hour": 1, "minute": 0}
